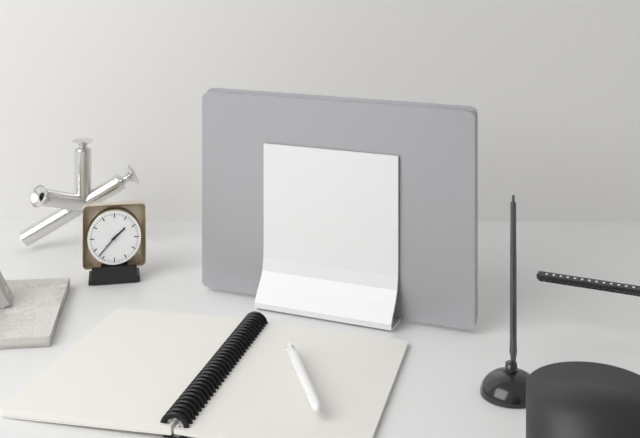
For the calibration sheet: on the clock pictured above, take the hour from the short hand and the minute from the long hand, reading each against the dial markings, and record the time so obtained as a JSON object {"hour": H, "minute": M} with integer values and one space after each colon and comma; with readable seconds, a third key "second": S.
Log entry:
{"hour": 1, "minute": 37}
